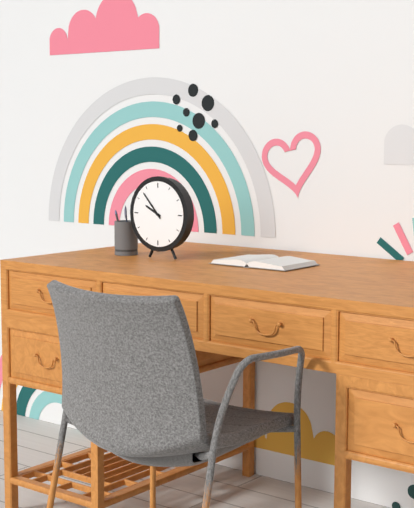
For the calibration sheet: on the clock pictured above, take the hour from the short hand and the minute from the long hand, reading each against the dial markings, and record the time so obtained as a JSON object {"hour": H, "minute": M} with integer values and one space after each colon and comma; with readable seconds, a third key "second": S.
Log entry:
{"hour": 9, "minute": 53}
